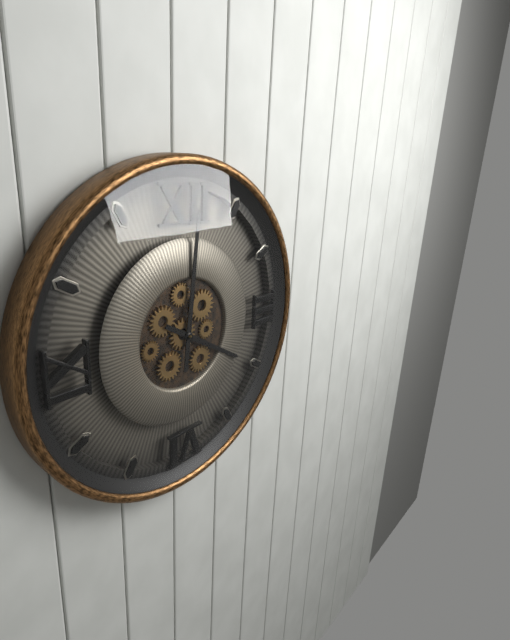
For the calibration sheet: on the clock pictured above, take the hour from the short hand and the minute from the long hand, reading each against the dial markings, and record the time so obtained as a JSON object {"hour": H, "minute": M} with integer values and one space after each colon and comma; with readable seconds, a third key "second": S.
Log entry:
{"hour": 4, "minute": 1}
